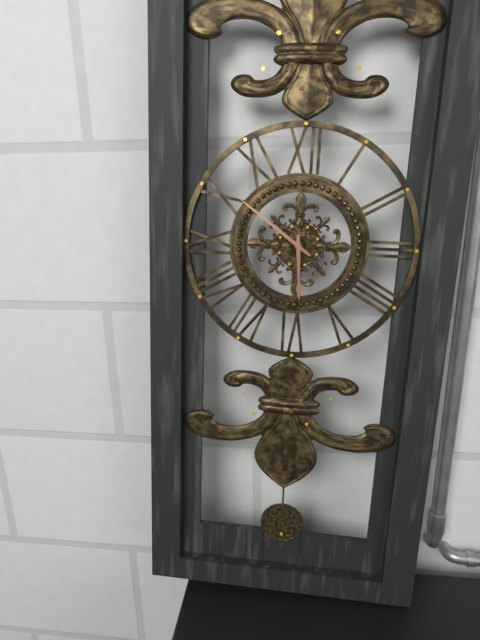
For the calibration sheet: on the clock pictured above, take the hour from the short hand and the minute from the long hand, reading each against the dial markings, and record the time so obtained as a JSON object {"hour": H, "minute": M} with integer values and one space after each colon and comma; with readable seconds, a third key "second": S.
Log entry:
{"hour": 5, "minute": 51}
